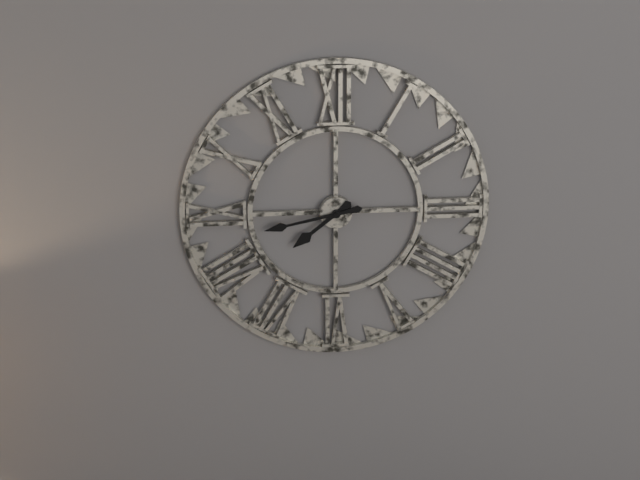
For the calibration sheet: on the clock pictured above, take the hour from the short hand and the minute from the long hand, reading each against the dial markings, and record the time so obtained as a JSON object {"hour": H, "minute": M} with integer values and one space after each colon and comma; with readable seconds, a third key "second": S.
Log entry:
{"hour": 7, "minute": 43}
